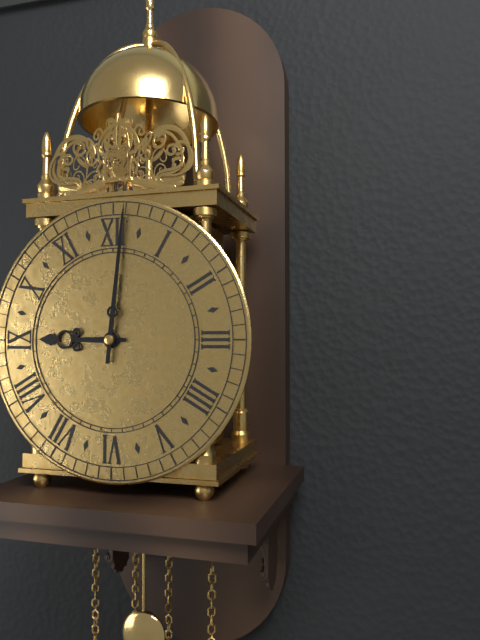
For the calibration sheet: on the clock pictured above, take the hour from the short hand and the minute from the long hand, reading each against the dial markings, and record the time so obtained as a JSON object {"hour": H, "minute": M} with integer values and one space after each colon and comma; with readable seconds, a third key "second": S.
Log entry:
{"hour": 9, "minute": 1}
